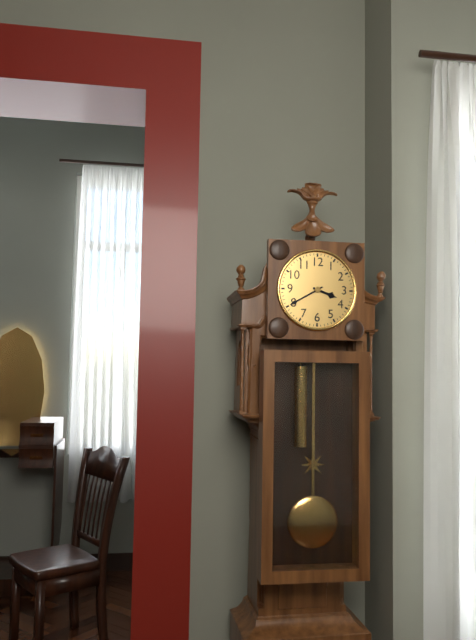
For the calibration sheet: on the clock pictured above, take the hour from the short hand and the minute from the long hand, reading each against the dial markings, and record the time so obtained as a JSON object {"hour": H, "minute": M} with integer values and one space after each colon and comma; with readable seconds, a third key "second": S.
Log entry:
{"hour": 3, "minute": 40}
